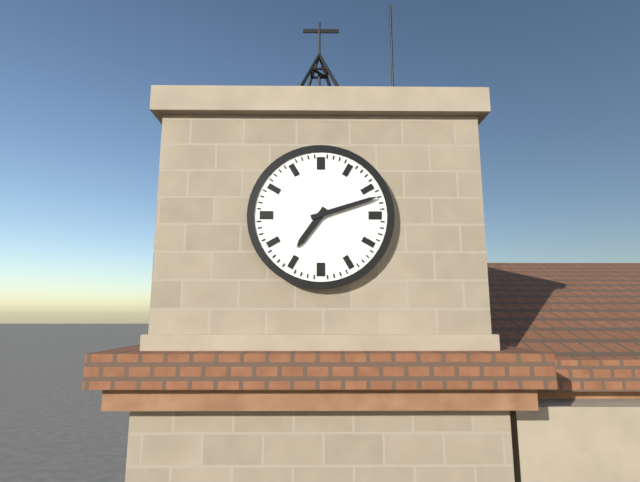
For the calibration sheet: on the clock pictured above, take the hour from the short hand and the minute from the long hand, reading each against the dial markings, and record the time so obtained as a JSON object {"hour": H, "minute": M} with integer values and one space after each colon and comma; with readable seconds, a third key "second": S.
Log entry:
{"hour": 7, "minute": 12}
